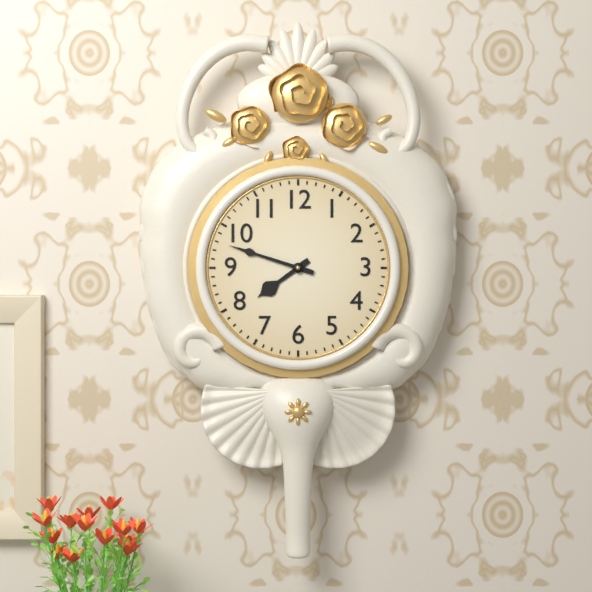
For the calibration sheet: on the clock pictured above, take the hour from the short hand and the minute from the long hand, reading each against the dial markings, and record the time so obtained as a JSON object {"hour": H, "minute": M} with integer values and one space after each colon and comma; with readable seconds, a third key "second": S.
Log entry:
{"hour": 7, "minute": 48}
